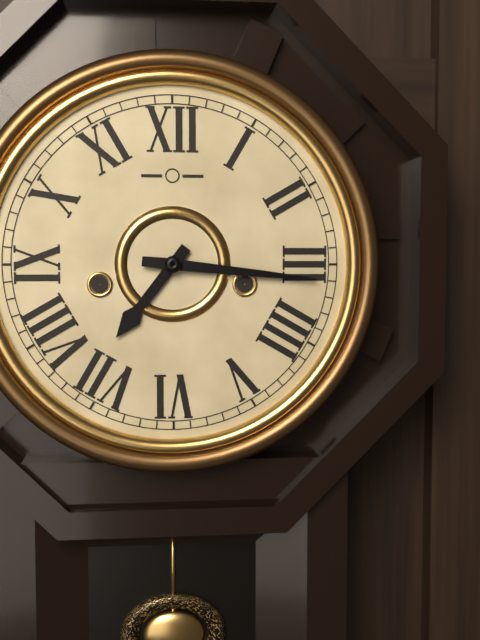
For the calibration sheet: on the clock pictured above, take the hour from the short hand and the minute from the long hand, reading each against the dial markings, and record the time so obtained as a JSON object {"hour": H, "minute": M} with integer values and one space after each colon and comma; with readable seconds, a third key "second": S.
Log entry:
{"hour": 7, "minute": 16}
